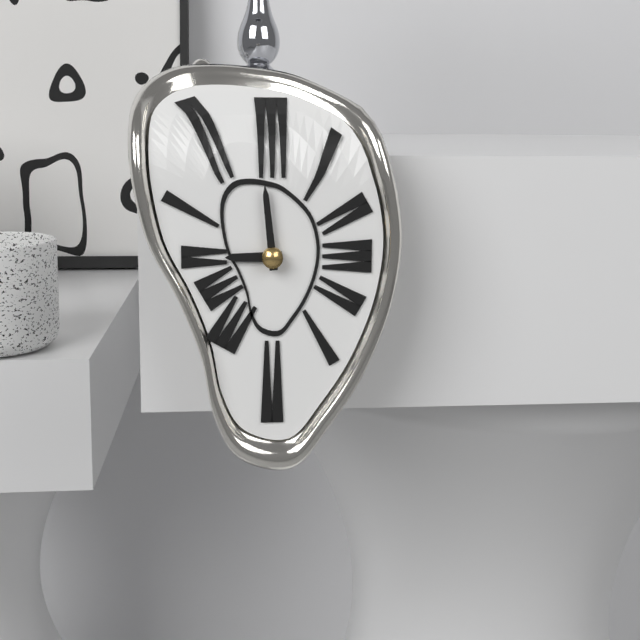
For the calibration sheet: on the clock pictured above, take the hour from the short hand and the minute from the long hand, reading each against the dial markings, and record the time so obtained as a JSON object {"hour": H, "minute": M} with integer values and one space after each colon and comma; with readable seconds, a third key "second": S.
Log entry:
{"hour": 8, "minute": 59}
